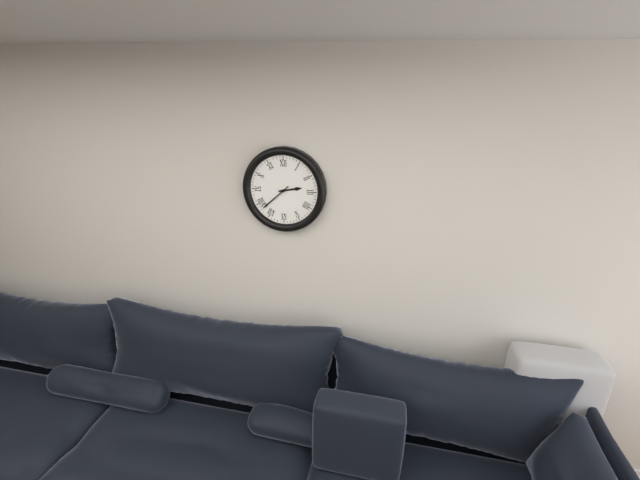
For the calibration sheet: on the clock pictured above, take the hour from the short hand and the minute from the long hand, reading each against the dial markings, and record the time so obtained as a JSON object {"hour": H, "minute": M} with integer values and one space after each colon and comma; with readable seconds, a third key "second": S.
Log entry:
{"hour": 2, "minute": 38}
